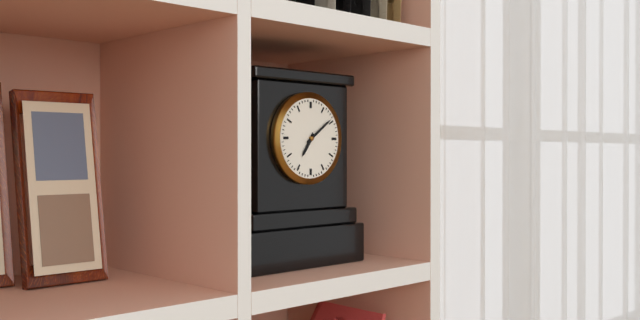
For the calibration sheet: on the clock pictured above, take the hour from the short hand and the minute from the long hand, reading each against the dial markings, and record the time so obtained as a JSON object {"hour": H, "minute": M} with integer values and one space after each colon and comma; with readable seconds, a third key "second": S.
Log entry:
{"hour": 7, "minute": 9}
